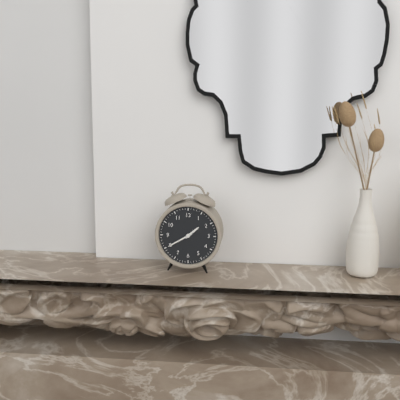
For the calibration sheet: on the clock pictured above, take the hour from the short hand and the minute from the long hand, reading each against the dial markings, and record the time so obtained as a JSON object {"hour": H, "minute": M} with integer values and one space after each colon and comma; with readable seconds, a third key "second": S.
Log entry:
{"hour": 1, "minute": 40}
